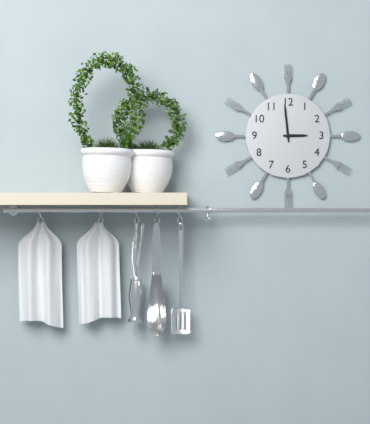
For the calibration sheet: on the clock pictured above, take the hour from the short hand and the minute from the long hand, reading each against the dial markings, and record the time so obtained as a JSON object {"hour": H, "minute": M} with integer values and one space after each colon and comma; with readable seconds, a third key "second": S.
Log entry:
{"hour": 2, "minute": 59}
